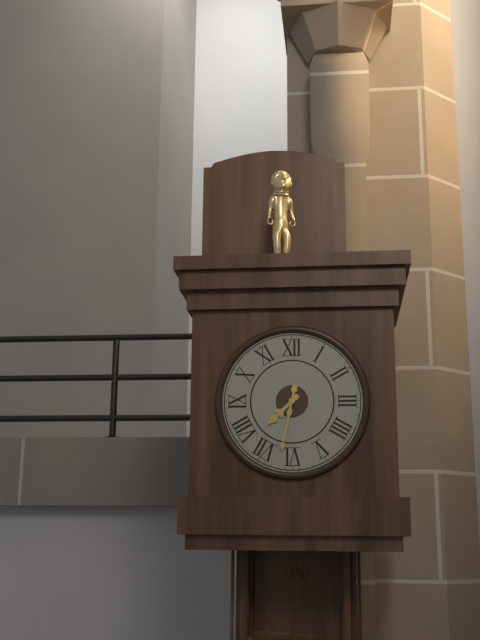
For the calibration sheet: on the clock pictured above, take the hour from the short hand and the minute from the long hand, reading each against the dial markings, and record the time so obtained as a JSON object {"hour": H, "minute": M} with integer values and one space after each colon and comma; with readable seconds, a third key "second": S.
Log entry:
{"hour": 7, "minute": 32}
